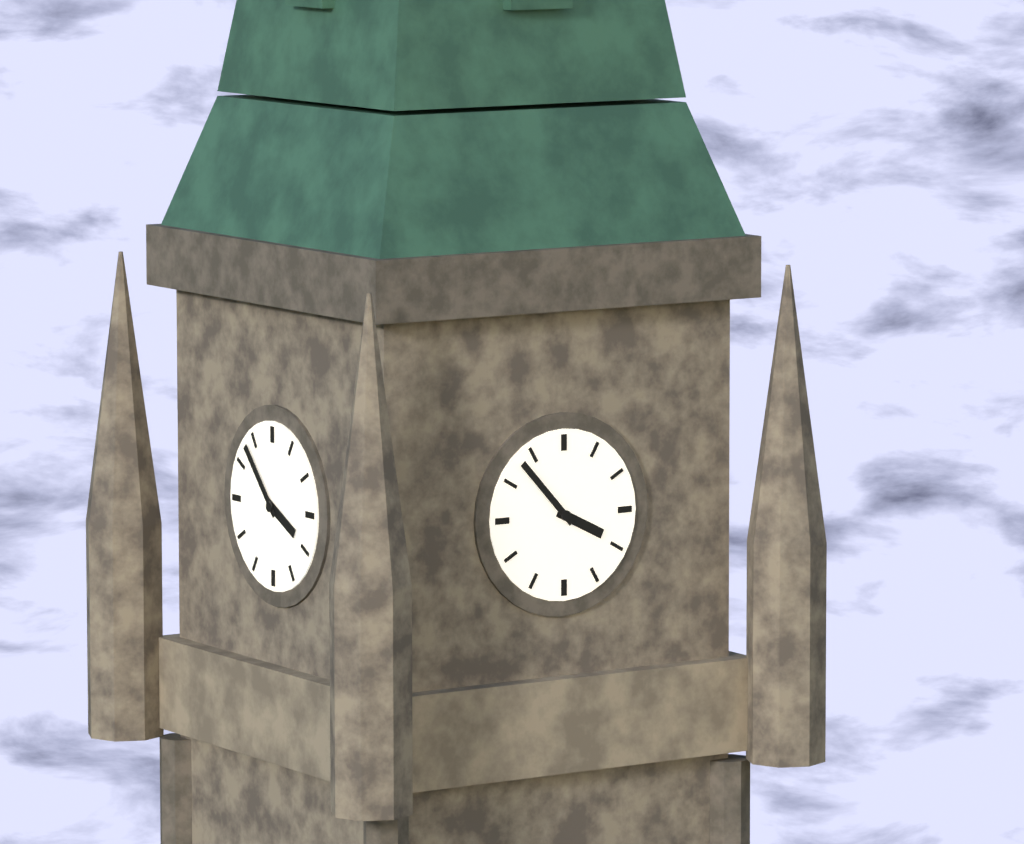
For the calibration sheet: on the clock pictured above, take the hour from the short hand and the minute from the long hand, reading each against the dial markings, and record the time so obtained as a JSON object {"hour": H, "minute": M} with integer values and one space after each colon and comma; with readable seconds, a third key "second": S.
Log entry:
{"hour": 3, "minute": 53}
